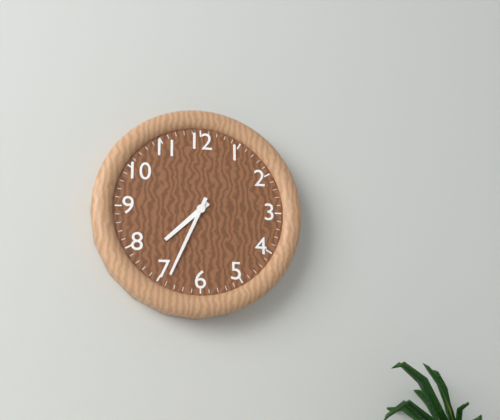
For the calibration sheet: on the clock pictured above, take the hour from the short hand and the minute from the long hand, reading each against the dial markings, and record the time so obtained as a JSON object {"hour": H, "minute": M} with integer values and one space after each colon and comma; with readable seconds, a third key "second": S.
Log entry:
{"hour": 7, "minute": 34}
